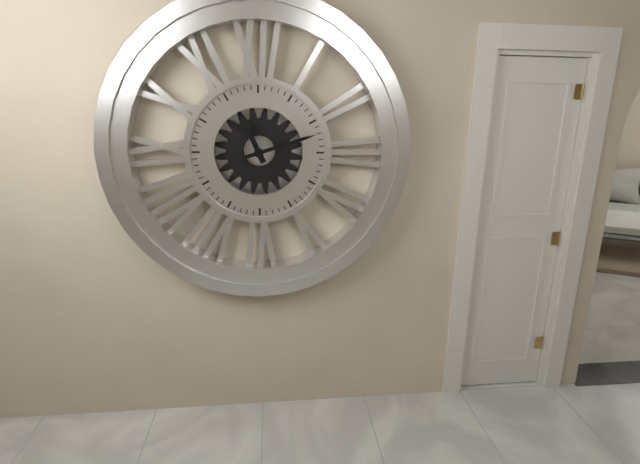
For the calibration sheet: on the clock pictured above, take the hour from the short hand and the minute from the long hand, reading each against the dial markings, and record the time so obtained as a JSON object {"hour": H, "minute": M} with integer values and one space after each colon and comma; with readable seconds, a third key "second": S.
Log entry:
{"hour": 11, "minute": 12}
